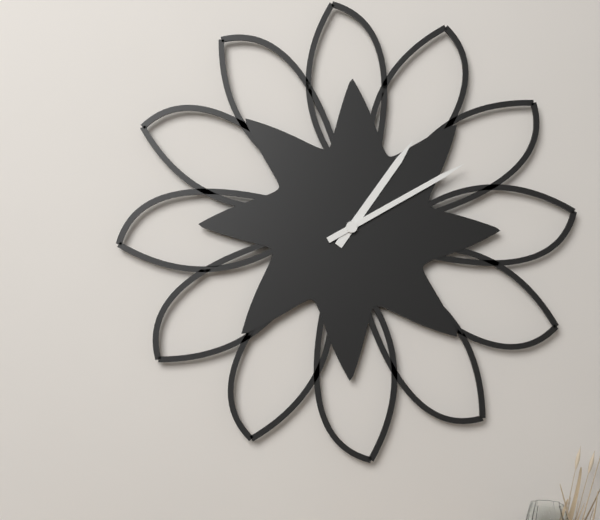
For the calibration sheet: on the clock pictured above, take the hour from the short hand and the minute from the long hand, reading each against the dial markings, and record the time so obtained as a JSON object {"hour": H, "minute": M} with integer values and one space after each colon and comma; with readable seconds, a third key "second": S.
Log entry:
{"hour": 1, "minute": 10}
